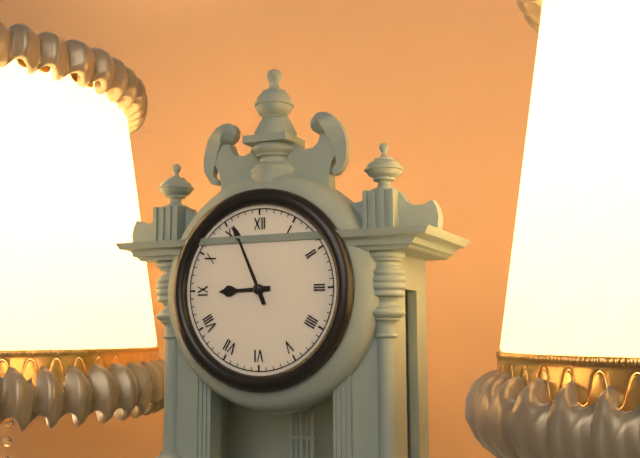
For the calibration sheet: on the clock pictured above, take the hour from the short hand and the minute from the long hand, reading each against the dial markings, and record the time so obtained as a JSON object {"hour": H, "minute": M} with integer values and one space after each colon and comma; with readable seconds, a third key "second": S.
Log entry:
{"hour": 8, "minute": 56}
